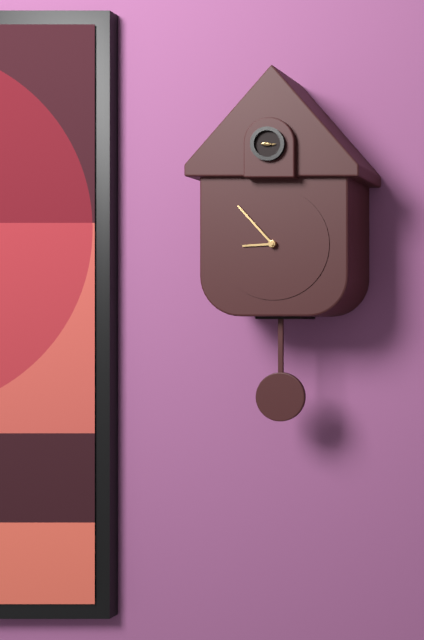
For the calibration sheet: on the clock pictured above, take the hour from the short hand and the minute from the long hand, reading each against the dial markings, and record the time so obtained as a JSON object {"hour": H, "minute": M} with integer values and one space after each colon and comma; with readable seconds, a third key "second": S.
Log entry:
{"hour": 8, "minute": 53}
